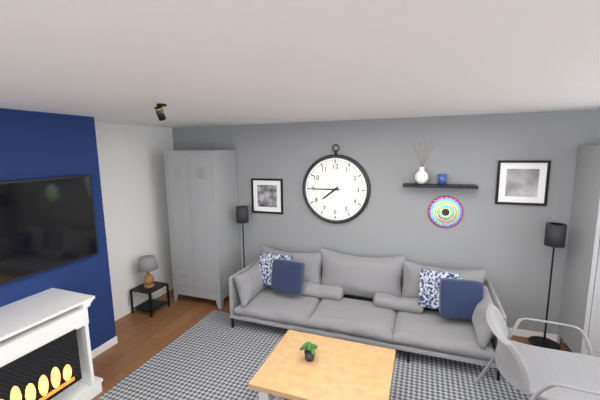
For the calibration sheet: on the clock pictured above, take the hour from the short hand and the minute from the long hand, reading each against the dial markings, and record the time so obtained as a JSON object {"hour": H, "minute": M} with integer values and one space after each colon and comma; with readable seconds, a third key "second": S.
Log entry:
{"hour": 7, "minute": 45}
